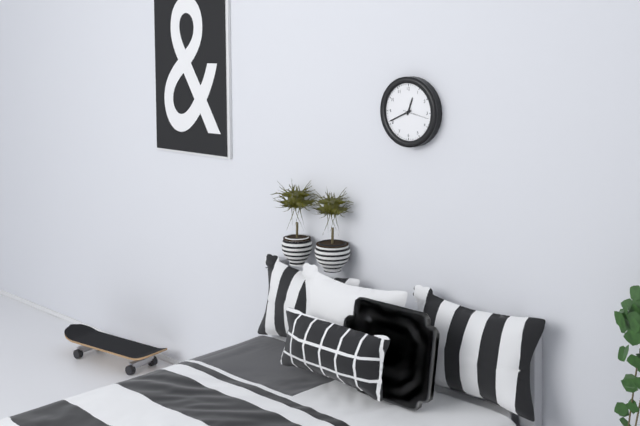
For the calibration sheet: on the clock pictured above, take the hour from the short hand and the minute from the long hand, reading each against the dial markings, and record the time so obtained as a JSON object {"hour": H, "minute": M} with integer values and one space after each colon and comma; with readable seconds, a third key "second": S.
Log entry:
{"hour": 12, "minute": 41}
